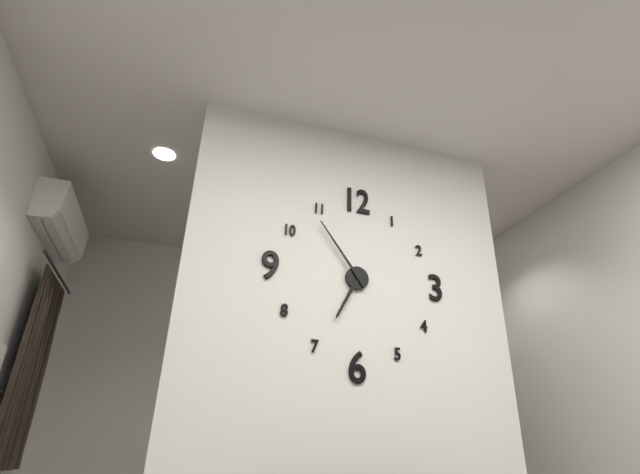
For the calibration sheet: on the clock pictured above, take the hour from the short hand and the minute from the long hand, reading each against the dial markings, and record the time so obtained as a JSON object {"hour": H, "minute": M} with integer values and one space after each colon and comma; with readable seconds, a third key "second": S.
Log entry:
{"hour": 6, "minute": 54}
